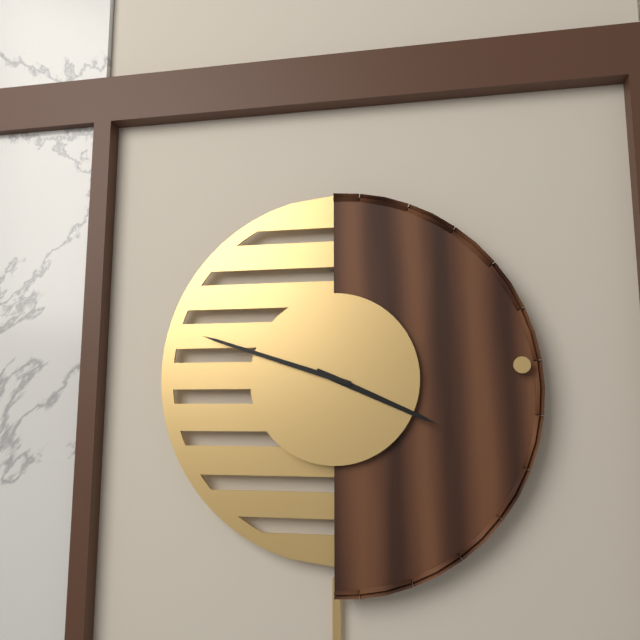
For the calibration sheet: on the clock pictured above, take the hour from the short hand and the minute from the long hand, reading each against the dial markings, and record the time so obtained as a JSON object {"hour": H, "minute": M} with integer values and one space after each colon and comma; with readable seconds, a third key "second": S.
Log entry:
{"hour": 3, "minute": 48}
